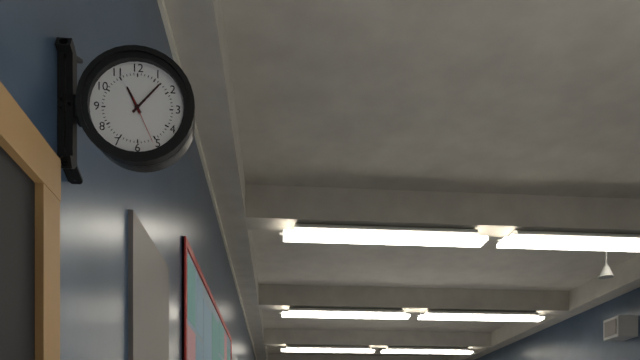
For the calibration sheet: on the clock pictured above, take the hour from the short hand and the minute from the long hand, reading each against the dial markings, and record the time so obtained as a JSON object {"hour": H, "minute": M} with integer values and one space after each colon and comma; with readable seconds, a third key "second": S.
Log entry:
{"hour": 11, "minute": 7}
